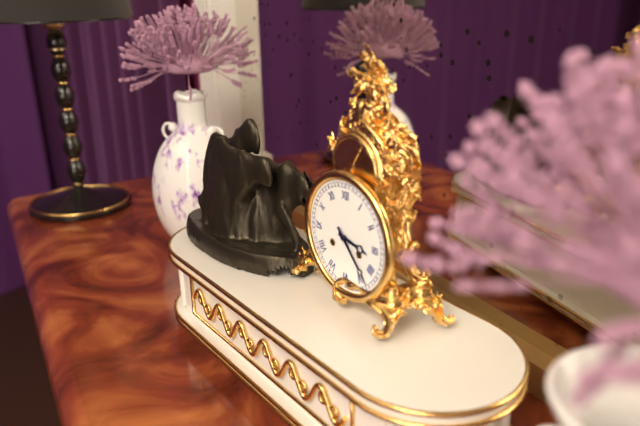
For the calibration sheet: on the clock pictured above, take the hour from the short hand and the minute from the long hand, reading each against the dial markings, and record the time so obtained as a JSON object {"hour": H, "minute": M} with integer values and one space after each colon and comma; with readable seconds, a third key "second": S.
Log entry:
{"hour": 3, "minute": 23}
